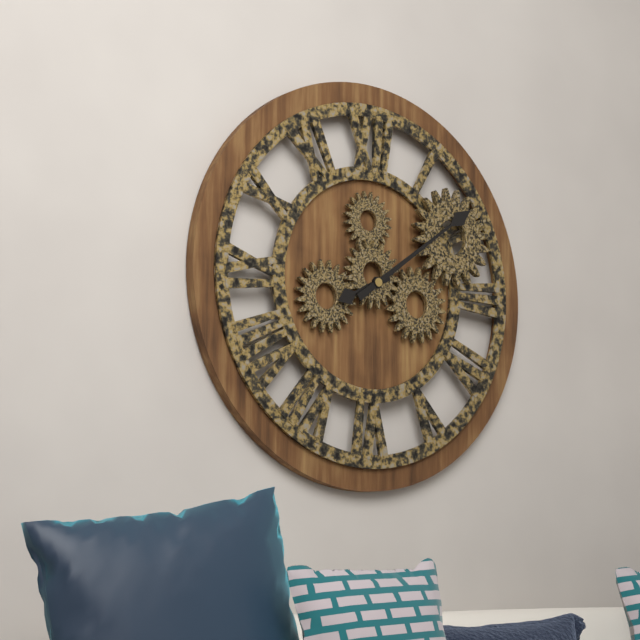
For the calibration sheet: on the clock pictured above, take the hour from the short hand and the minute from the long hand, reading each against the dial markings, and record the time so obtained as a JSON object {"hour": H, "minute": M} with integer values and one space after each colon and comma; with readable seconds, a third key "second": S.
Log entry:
{"hour": 8, "minute": 9}
